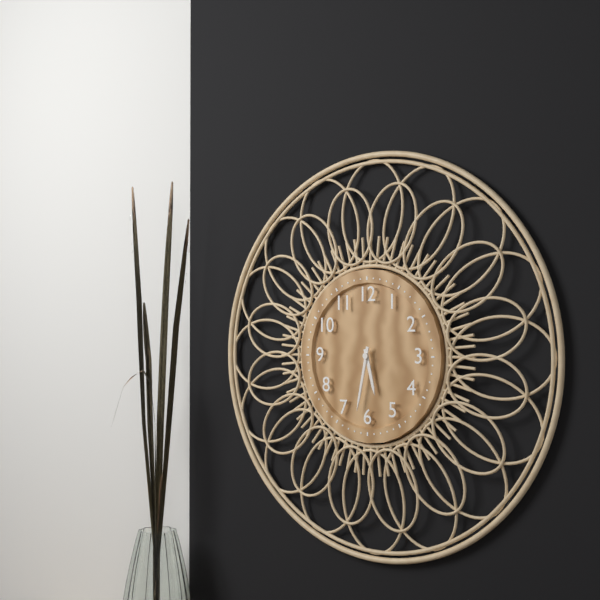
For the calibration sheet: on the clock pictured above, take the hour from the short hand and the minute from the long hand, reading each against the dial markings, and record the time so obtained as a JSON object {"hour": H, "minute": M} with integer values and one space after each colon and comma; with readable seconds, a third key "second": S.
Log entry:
{"hour": 5, "minute": 32}
